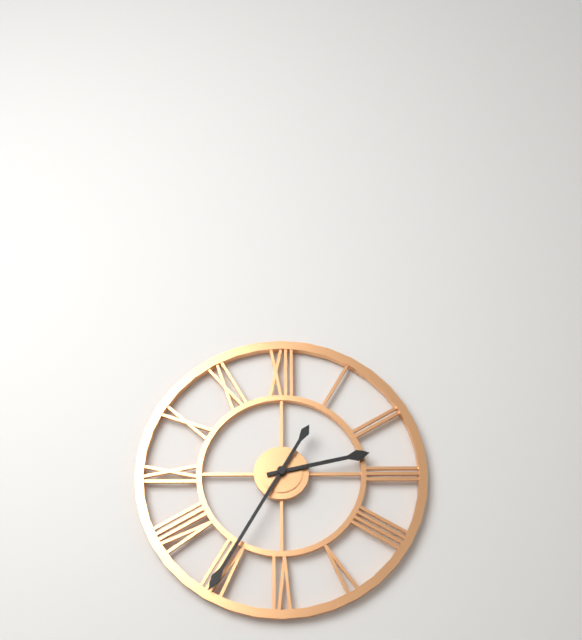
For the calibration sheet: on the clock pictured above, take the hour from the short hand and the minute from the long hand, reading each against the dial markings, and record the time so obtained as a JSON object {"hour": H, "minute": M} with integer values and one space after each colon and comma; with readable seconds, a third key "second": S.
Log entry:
{"hour": 2, "minute": 35}
